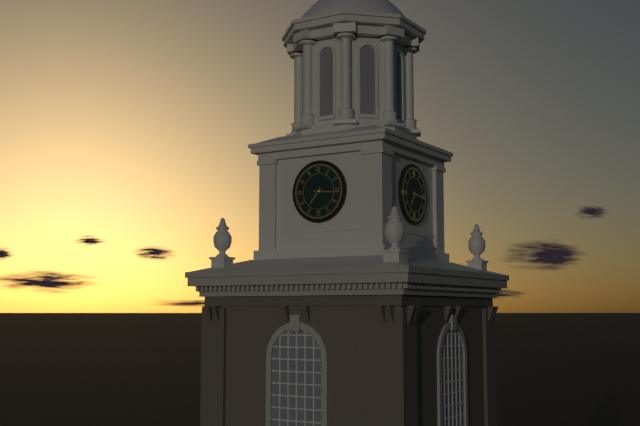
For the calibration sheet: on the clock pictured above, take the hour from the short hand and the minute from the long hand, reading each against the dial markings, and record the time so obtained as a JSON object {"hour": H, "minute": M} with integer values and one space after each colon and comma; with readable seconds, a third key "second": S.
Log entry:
{"hour": 7, "minute": 16}
